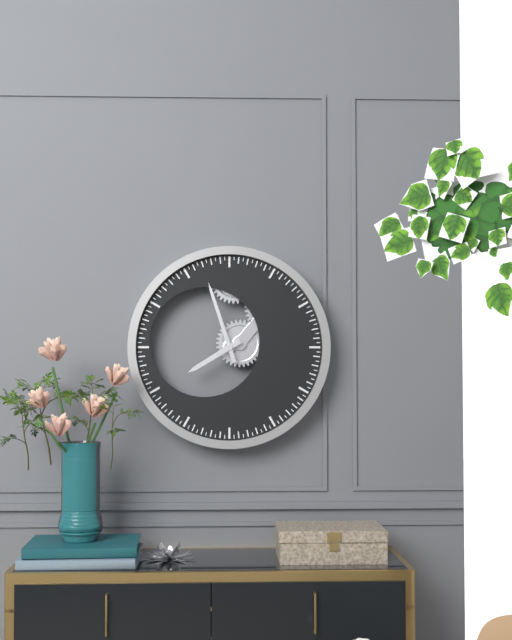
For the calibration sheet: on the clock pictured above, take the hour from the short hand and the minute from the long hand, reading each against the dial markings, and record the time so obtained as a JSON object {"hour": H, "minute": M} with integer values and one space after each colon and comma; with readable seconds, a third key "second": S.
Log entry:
{"hour": 7, "minute": 57}
